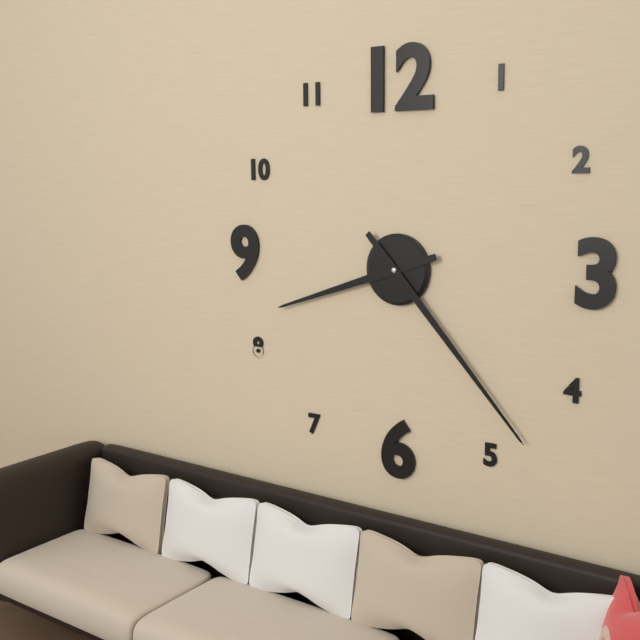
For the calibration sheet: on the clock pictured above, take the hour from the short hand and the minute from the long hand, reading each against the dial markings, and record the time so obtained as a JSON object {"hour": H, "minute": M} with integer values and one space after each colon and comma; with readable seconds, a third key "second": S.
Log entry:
{"hour": 8, "minute": 23}
